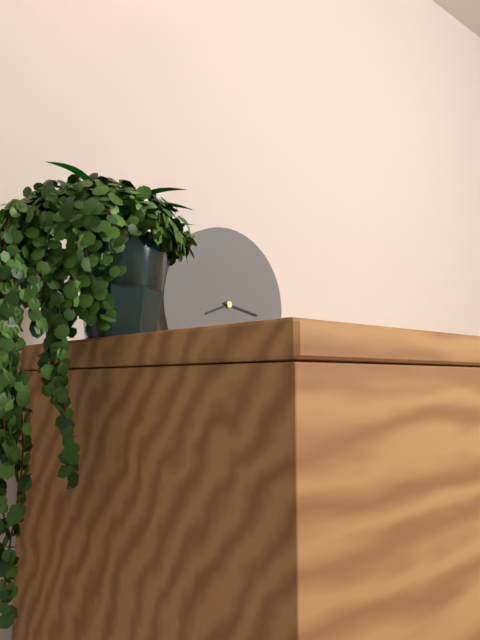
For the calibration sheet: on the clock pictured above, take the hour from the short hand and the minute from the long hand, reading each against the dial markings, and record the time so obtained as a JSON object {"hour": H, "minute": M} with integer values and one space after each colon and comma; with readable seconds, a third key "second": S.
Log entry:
{"hour": 8, "minute": 17}
